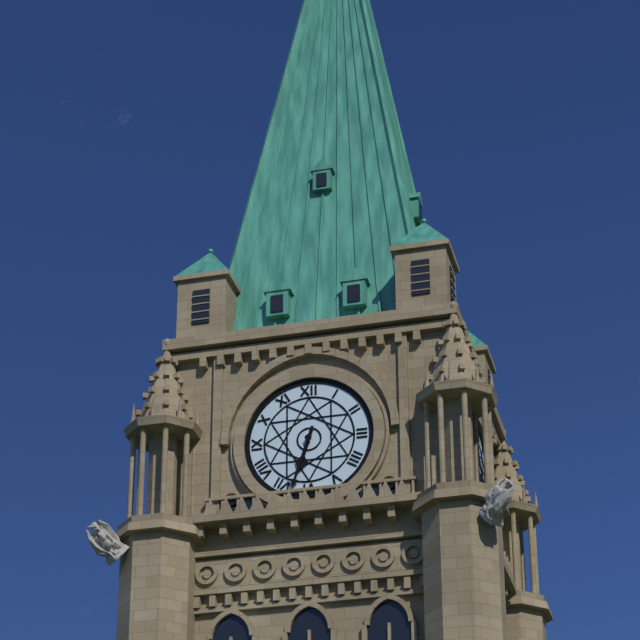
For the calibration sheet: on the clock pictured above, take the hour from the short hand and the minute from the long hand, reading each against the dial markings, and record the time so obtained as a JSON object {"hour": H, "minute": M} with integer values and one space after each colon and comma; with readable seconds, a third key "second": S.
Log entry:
{"hour": 6, "minute": 33}
